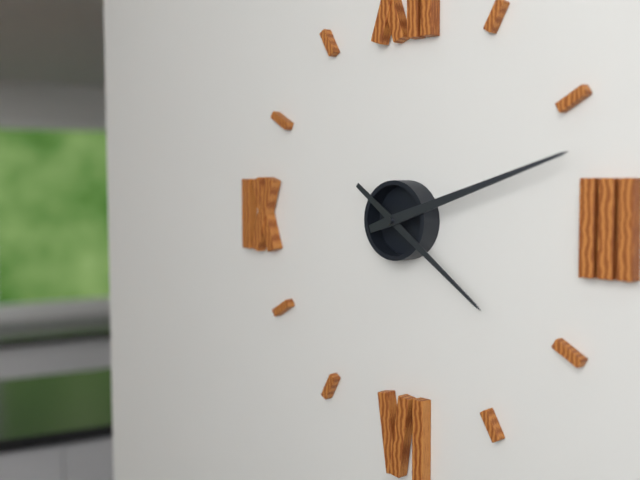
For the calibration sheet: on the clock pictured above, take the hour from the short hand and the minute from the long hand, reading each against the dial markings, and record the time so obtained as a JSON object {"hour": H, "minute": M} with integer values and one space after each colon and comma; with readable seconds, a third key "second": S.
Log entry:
{"hour": 4, "minute": 12}
